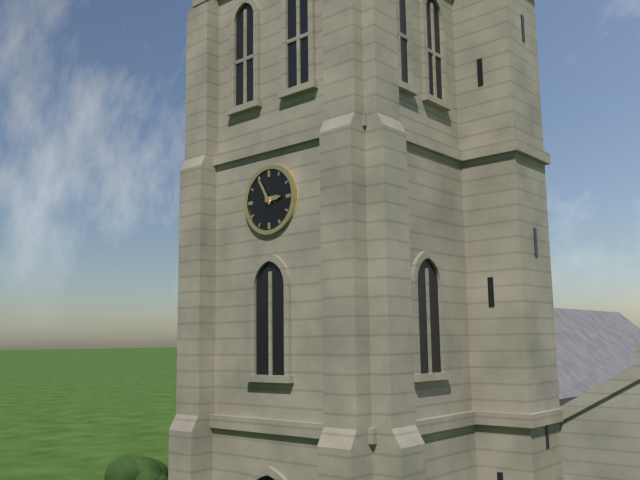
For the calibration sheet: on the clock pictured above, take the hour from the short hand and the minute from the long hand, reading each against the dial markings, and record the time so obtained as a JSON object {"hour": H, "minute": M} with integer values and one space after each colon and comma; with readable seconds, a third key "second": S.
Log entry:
{"hour": 2, "minute": 55}
